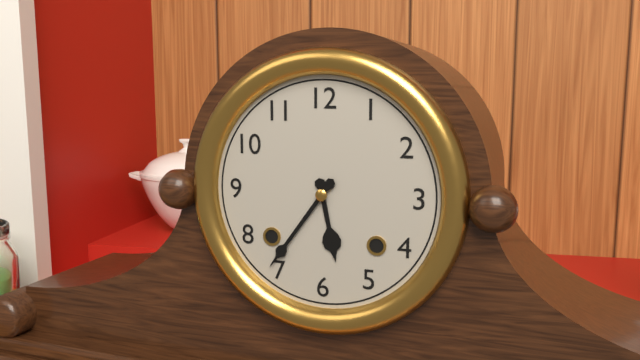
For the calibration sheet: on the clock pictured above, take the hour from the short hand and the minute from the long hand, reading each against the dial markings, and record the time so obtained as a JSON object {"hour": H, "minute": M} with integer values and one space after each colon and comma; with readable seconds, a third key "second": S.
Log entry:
{"hour": 5, "minute": 36}
